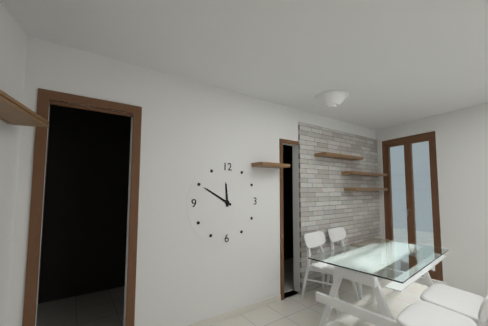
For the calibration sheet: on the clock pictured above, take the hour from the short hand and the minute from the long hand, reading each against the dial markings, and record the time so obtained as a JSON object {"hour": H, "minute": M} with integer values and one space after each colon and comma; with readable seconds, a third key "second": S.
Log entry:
{"hour": 11, "minute": 50}
